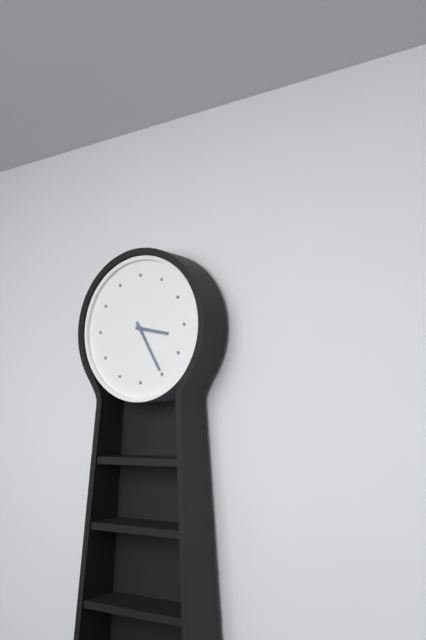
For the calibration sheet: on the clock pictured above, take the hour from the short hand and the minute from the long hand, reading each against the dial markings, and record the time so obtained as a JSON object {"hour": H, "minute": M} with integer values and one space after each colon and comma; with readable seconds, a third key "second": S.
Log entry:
{"hour": 3, "minute": 25}
